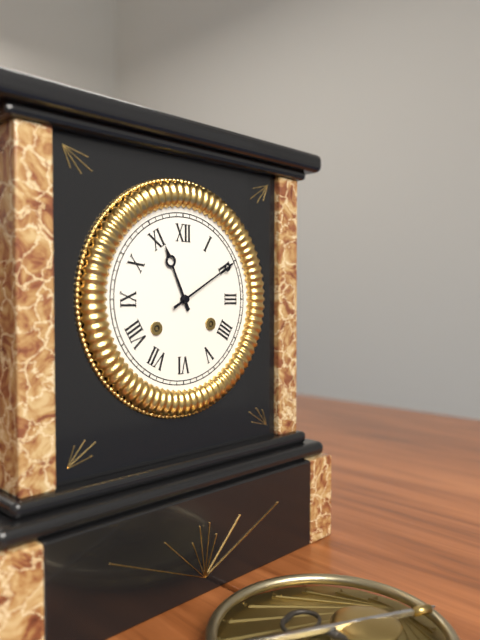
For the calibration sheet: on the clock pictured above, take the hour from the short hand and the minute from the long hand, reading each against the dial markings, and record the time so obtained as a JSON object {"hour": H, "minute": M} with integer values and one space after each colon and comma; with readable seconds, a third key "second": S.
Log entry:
{"hour": 11, "minute": 10}
